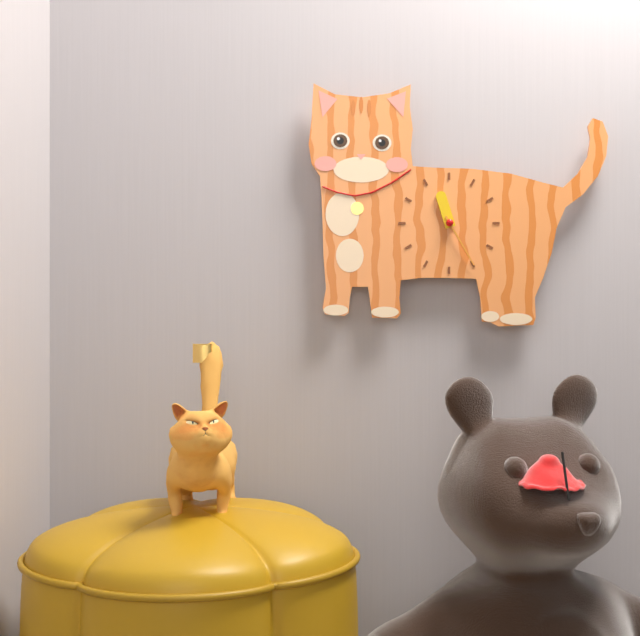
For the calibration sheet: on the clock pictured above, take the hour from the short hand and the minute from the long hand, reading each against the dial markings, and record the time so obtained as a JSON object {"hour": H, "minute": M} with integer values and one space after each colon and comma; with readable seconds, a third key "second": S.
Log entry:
{"hour": 11, "minute": 25}
